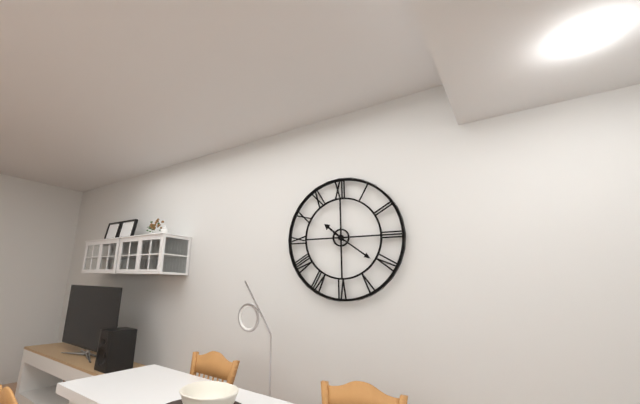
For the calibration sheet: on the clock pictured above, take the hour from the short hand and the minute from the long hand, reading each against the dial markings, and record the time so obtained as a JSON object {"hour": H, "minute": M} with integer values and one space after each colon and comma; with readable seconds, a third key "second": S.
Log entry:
{"hour": 10, "minute": 21}
